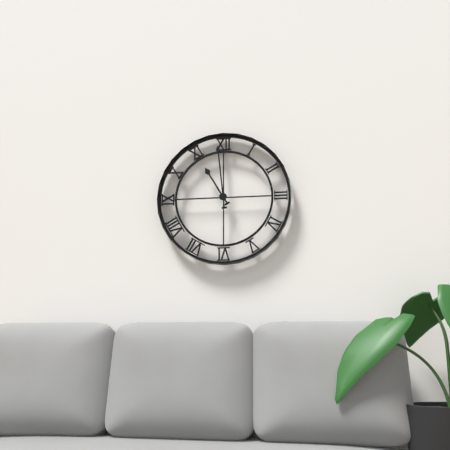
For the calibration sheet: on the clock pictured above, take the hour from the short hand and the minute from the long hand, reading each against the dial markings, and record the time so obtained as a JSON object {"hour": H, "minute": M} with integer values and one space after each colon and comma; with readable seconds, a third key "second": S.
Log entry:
{"hour": 10, "minute": 59}
